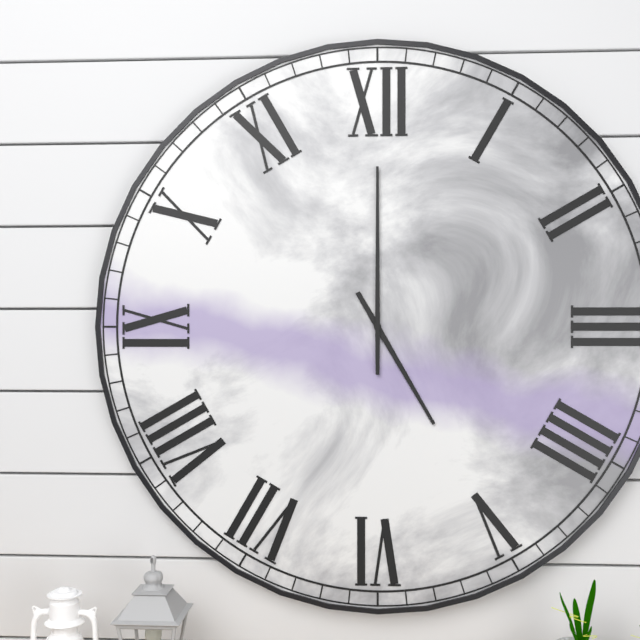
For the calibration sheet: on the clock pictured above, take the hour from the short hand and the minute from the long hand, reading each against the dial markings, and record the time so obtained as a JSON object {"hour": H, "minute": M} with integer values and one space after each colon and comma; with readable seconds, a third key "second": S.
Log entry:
{"hour": 5, "minute": 0}
